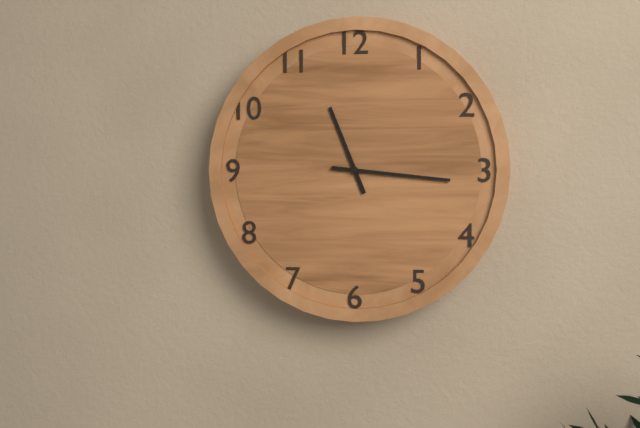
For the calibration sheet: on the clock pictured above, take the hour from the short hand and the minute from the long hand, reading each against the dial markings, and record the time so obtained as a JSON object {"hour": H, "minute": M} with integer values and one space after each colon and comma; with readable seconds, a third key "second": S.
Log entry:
{"hour": 11, "minute": 16}
